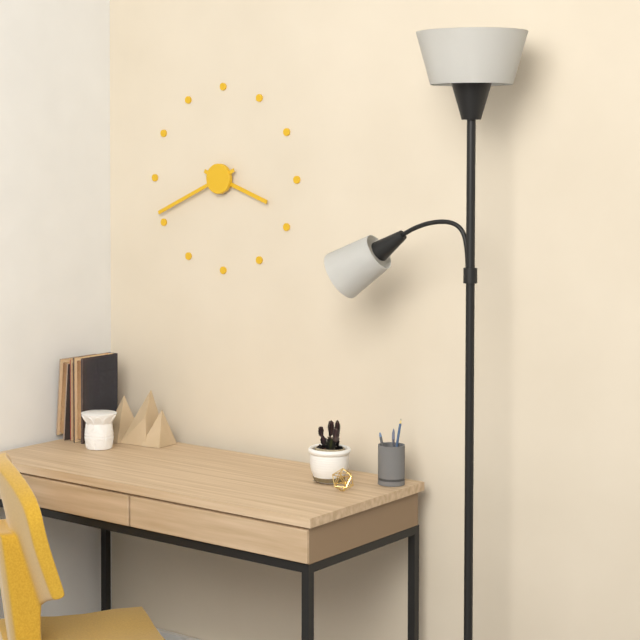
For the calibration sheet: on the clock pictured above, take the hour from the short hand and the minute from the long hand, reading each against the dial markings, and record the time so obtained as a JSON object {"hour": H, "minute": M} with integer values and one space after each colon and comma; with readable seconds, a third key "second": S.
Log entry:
{"hour": 3, "minute": 41}
